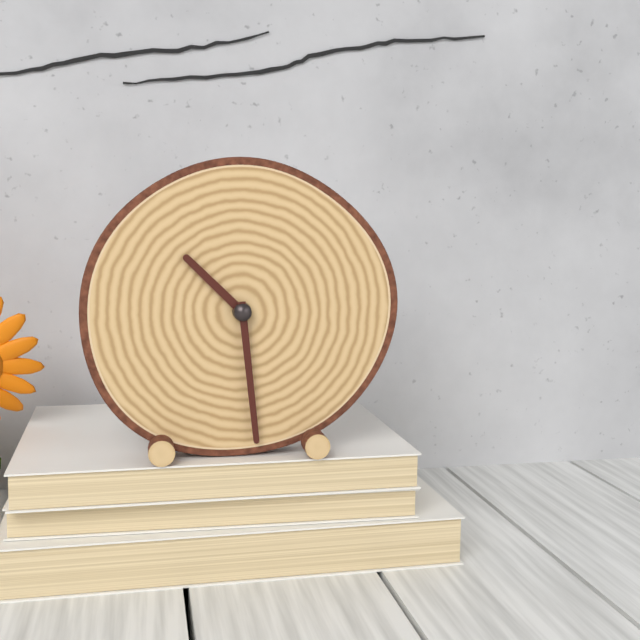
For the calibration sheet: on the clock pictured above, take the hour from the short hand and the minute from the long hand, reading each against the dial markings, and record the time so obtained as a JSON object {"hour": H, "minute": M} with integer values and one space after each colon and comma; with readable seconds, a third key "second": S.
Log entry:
{"hour": 10, "minute": 29}
